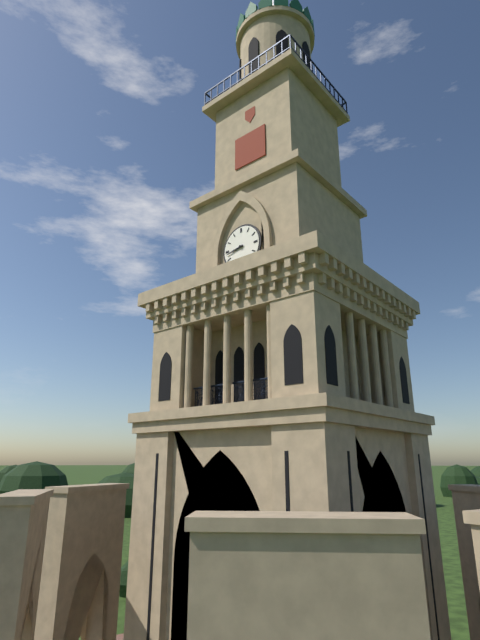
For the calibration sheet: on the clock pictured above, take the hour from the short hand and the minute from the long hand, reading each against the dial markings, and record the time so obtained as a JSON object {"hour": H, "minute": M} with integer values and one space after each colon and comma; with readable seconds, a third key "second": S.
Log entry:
{"hour": 8, "minute": 43}
